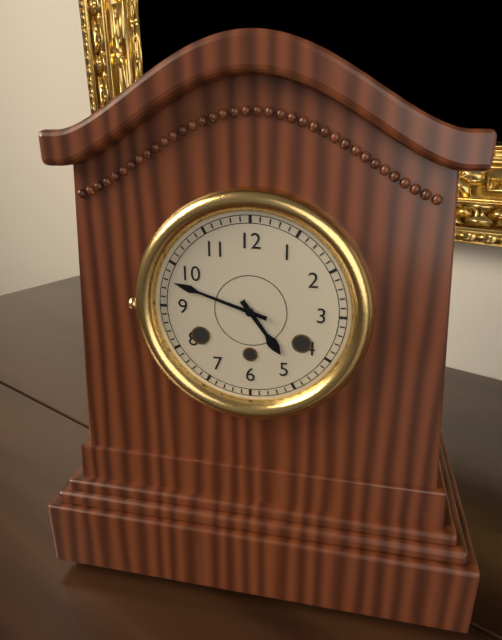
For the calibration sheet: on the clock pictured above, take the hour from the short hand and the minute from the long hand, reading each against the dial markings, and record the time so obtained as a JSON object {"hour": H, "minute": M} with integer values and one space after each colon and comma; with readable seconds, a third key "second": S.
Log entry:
{"hour": 4, "minute": 48}
